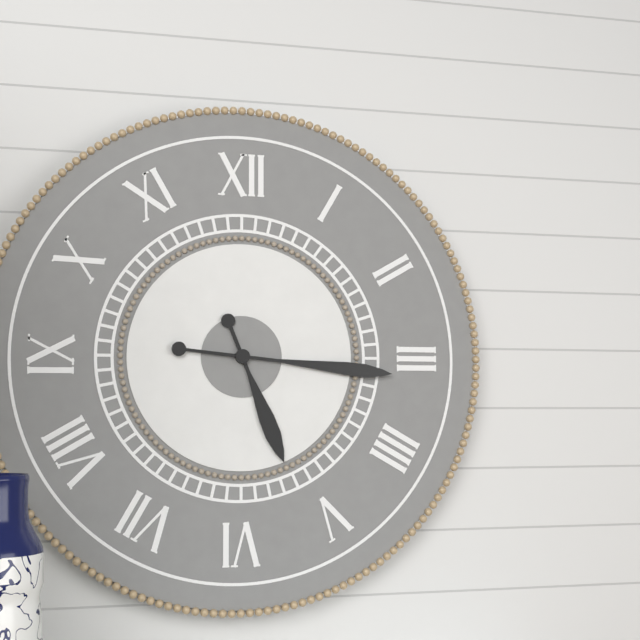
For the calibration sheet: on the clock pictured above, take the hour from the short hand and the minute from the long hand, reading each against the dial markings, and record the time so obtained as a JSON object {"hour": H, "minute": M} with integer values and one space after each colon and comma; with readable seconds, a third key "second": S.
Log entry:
{"hour": 5, "minute": 16}
